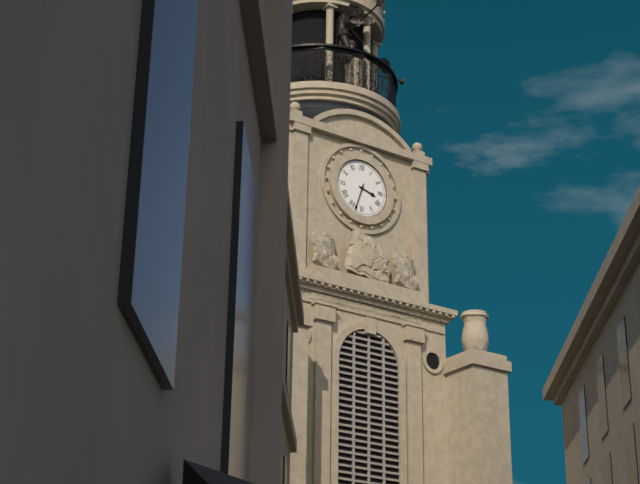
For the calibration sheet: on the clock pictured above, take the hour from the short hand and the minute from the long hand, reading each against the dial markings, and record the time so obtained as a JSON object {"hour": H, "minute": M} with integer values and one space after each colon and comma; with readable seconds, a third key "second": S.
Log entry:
{"hour": 3, "minute": 33}
